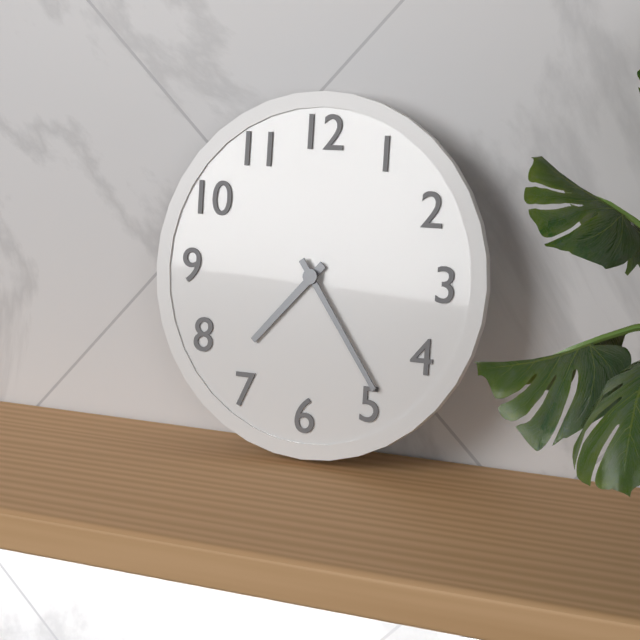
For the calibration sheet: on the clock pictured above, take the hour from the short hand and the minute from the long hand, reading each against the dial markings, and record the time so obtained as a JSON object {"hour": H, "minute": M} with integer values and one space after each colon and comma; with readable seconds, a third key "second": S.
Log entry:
{"hour": 7, "minute": 24}
